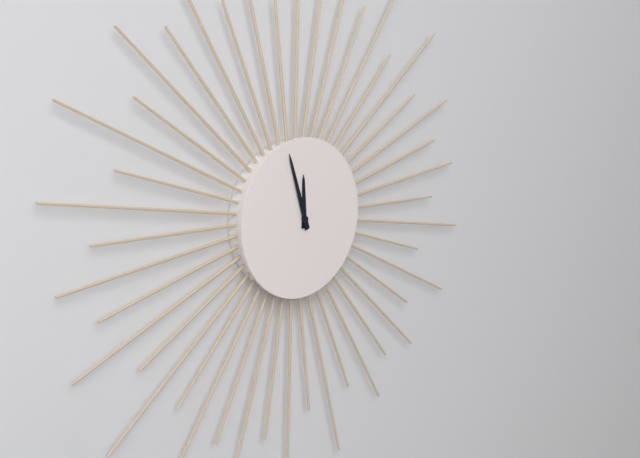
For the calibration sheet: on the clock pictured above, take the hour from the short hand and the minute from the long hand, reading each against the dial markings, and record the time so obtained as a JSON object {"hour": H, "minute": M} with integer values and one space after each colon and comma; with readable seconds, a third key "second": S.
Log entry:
{"hour": 11, "minute": 57}
